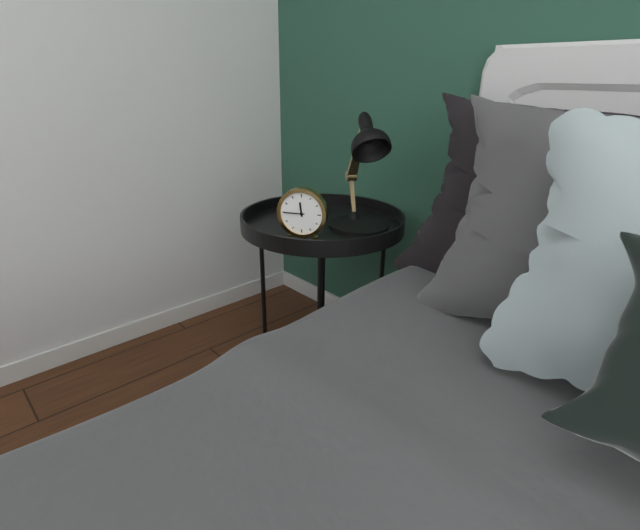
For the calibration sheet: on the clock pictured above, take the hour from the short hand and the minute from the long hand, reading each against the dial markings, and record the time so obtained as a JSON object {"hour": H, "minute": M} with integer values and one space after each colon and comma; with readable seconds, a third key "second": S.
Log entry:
{"hour": 11, "minute": 45}
